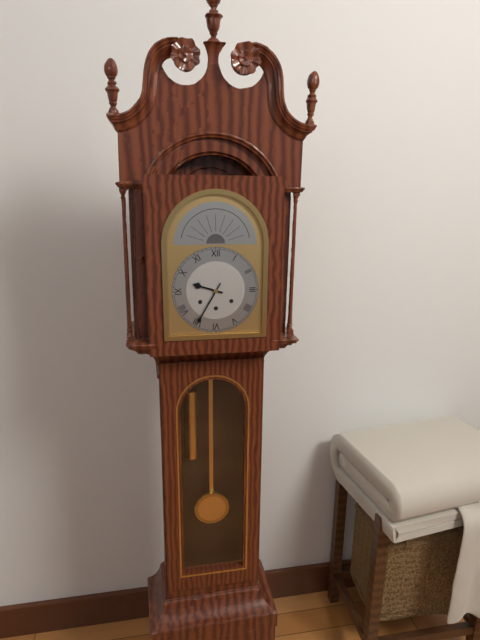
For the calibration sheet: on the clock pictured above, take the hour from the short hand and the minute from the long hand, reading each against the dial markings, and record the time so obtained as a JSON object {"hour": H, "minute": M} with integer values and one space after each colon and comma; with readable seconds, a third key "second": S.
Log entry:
{"hour": 9, "minute": 35}
